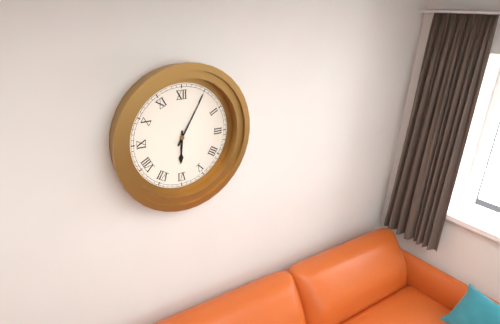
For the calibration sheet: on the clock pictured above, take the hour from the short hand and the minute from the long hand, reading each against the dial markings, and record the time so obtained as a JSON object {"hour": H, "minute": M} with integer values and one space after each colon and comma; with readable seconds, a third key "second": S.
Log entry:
{"hour": 6, "minute": 5}
